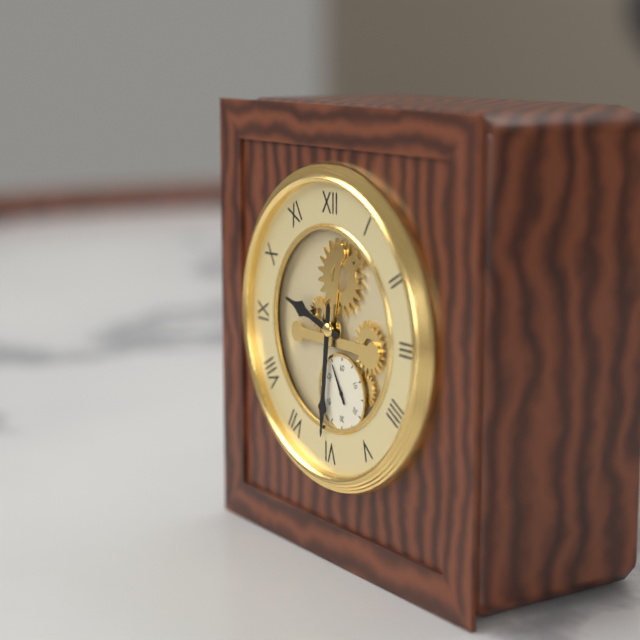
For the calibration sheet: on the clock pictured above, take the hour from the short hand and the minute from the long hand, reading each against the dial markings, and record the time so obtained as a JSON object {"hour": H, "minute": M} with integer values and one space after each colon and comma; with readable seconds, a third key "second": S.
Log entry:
{"hour": 9, "minute": 31}
